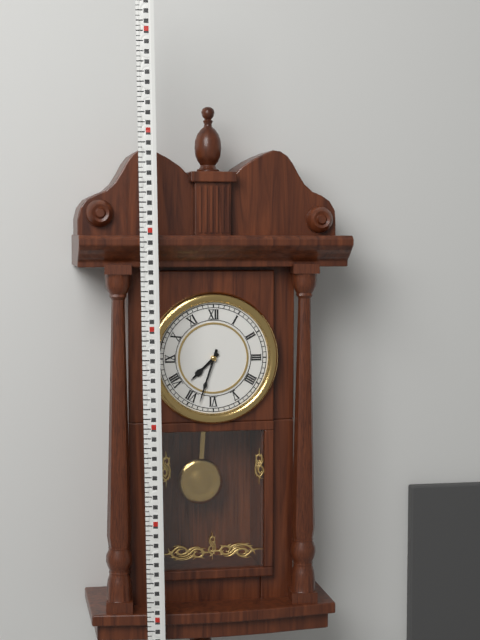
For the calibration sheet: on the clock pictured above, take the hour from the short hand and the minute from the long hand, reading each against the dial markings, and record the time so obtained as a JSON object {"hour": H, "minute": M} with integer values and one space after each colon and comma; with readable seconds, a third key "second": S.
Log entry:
{"hour": 7, "minute": 33}
